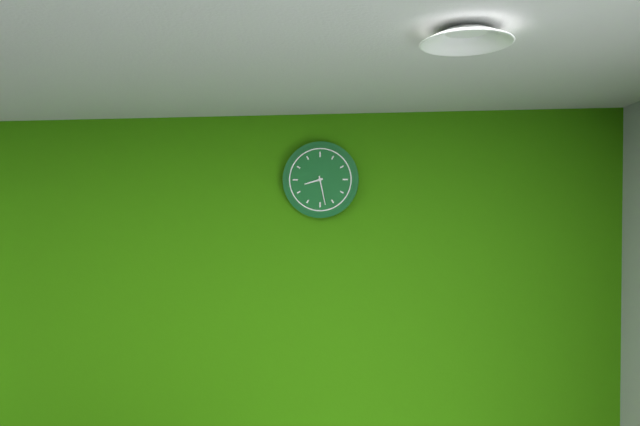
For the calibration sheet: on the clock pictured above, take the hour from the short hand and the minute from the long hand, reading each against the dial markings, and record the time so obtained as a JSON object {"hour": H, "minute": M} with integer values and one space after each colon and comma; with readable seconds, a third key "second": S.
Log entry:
{"hour": 8, "minute": 28}
